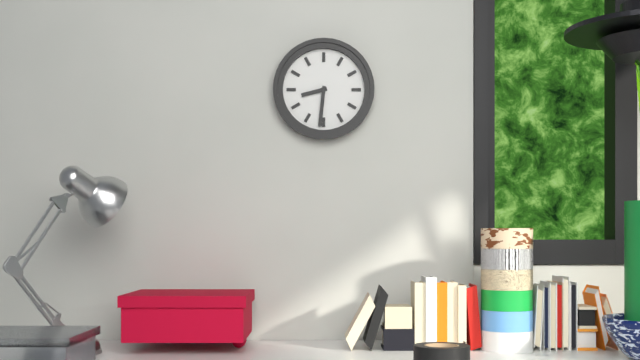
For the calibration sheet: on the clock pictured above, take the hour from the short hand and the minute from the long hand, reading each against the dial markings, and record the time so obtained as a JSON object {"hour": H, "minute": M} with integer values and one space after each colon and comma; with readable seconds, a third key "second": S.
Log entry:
{"hour": 8, "minute": 31}
